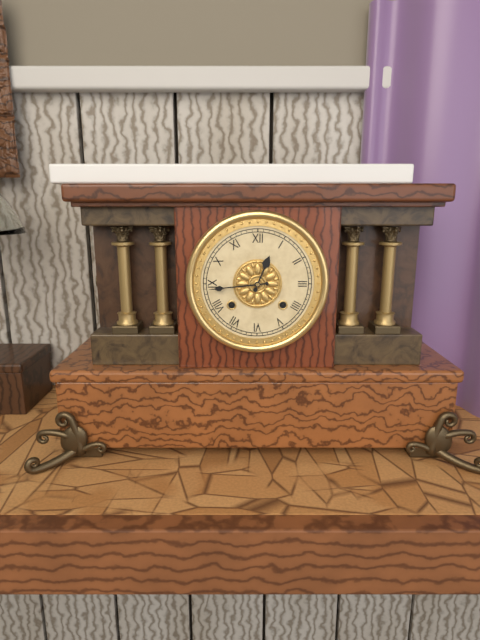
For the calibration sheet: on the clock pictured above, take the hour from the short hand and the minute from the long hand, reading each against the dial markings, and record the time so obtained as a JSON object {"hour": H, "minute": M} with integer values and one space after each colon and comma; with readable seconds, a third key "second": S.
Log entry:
{"hour": 12, "minute": 44}
